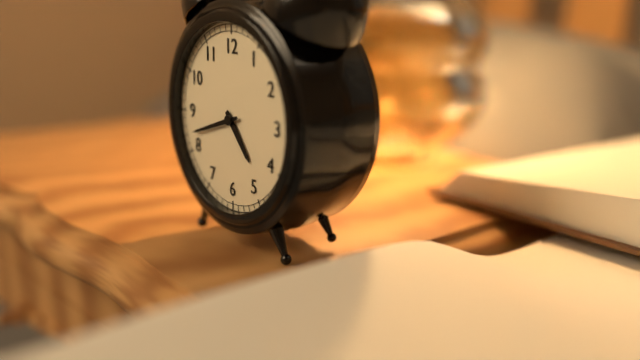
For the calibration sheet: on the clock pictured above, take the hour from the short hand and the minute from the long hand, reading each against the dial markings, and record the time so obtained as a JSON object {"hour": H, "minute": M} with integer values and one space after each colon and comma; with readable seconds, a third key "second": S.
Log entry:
{"hour": 4, "minute": 42}
